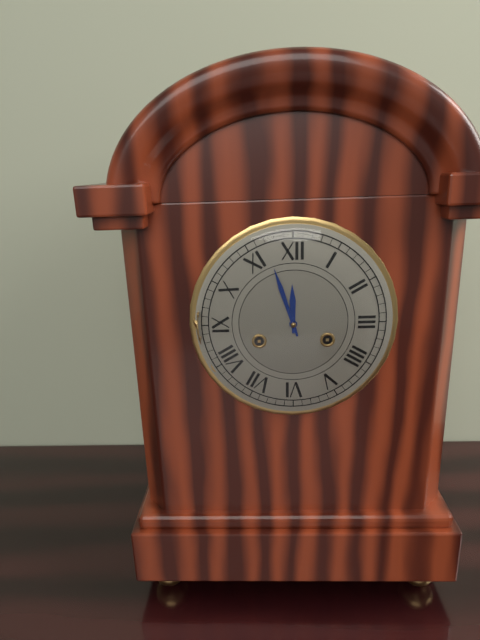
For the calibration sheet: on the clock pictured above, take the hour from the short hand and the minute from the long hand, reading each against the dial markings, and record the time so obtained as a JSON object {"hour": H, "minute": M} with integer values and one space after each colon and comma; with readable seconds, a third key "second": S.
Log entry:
{"hour": 11, "minute": 57}
